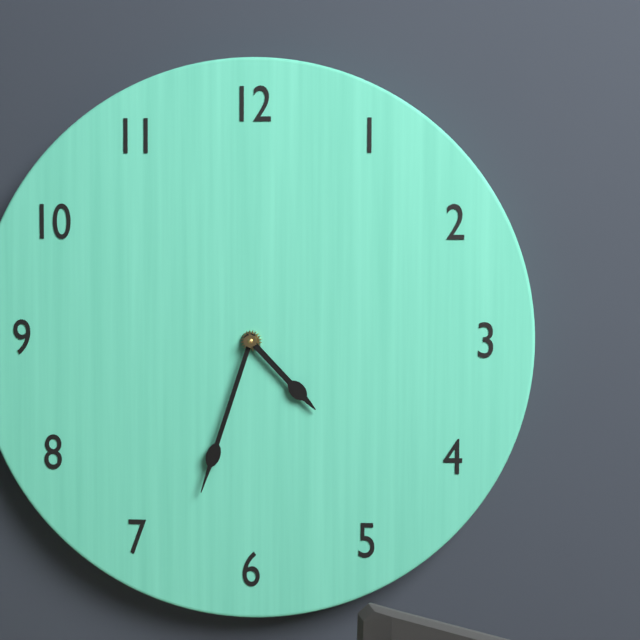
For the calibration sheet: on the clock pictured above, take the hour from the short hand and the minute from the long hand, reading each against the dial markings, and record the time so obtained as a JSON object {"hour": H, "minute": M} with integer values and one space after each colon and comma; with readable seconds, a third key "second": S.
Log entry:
{"hour": 4, "minute": 33}
